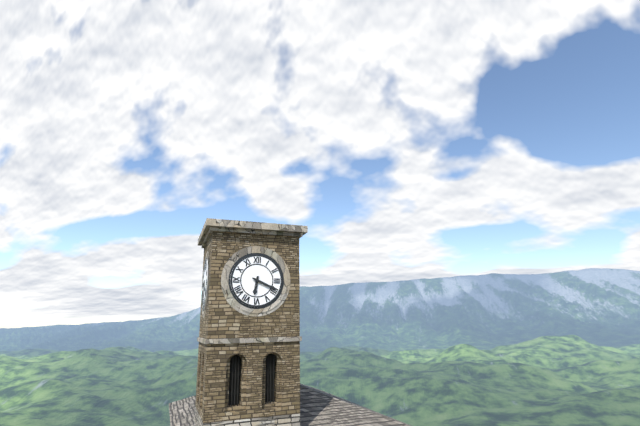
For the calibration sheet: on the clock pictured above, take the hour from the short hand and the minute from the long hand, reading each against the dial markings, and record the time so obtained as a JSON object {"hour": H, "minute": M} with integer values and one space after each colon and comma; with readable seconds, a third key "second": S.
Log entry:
{"hour": 6, "minute": 19}
